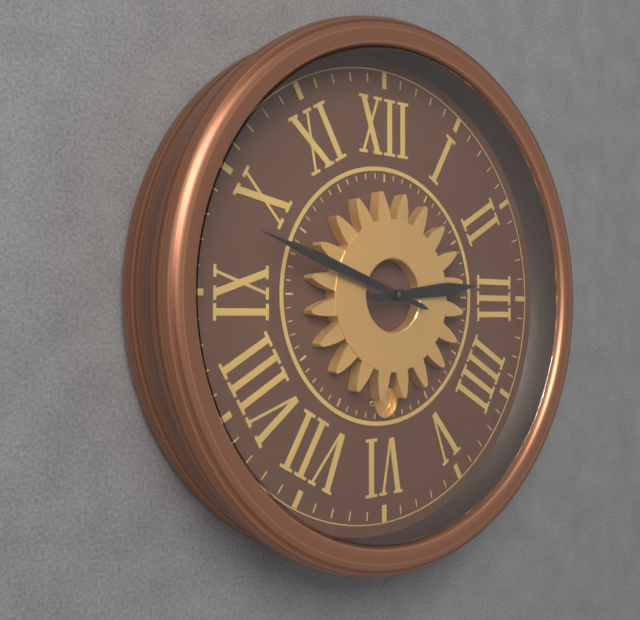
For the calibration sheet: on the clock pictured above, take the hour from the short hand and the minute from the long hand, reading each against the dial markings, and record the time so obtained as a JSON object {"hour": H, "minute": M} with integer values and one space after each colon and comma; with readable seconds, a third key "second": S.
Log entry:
{"hour": 2, "minute": 48}
